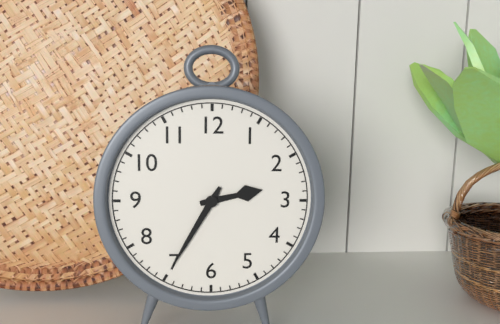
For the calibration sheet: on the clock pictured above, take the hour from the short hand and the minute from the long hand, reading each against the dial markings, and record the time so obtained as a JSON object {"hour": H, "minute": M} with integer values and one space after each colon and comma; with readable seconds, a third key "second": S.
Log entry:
{"hour": 2, "minute": 35}
